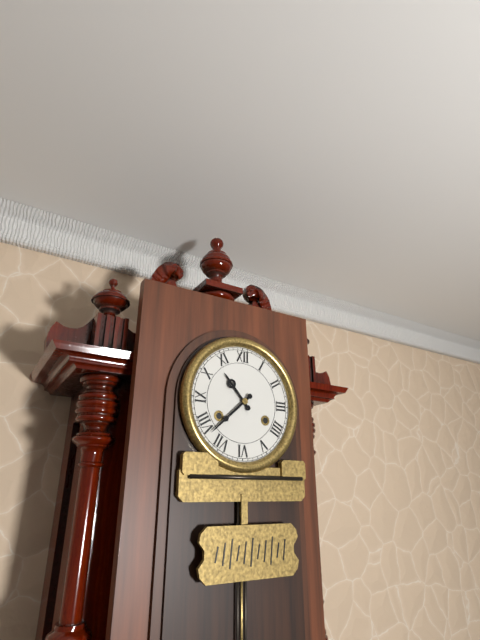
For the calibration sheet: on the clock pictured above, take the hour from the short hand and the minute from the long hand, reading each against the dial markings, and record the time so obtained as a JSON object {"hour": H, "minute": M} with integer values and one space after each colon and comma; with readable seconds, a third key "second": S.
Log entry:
{"hour": 10, "minute": 38}
